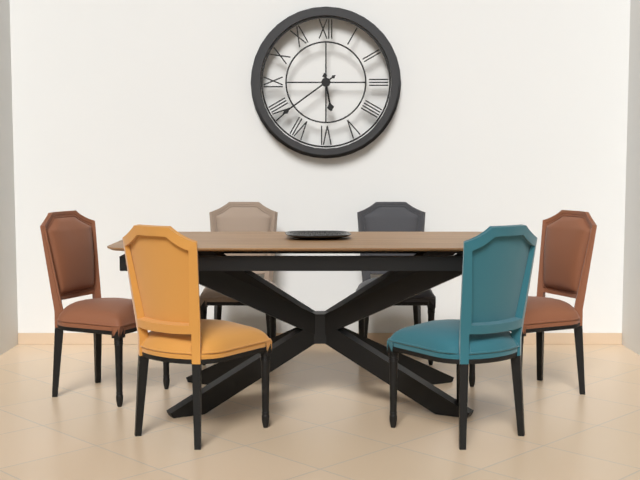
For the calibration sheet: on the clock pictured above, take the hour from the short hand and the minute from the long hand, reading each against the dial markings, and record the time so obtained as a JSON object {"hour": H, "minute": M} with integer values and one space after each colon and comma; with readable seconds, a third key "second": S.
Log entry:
{"hour": 5, "minute": 39}
